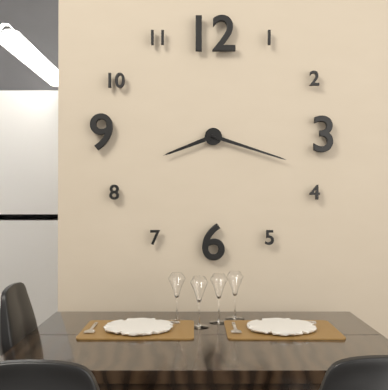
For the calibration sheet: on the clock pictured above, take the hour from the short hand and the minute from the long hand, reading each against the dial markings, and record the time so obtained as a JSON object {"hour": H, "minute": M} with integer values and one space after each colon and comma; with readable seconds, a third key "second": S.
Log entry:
{"hour": 8, "minute": 18}
